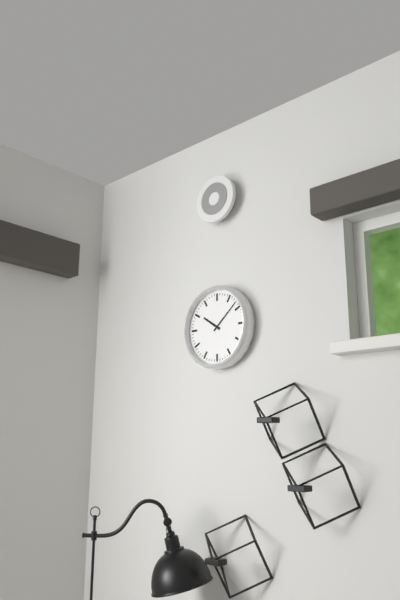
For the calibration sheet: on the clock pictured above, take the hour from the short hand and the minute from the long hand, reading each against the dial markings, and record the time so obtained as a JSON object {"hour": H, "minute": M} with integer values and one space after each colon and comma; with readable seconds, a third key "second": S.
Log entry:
{"hour": 10, "minute": 8}
